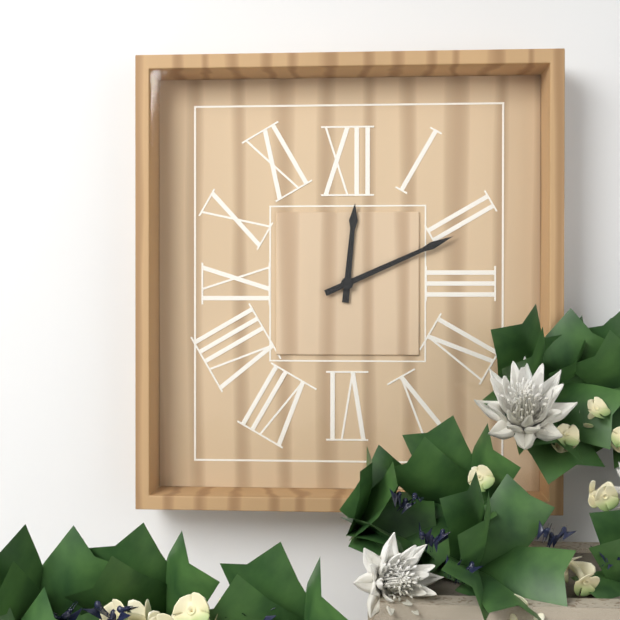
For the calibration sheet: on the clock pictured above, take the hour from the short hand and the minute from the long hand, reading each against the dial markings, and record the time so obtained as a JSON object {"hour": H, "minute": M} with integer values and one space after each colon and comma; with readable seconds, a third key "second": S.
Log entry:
{"hour": 12, "minute": 11}
